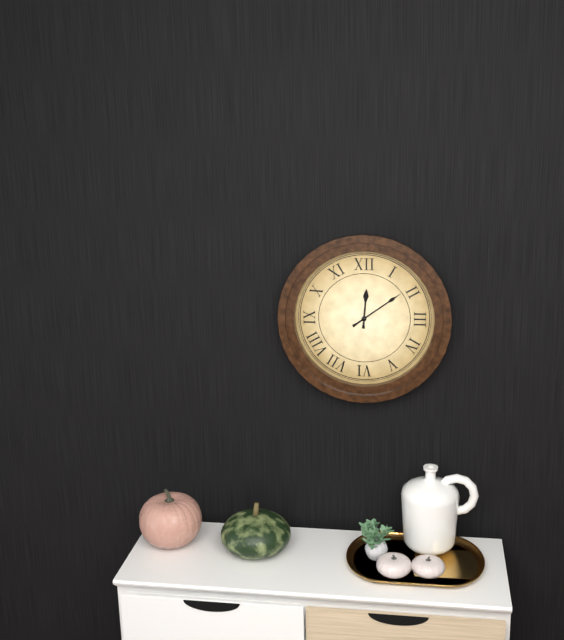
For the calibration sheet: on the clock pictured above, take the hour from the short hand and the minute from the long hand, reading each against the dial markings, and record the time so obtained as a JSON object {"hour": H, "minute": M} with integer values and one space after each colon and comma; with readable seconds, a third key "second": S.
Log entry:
{"hour": 12, "minute": 9}
